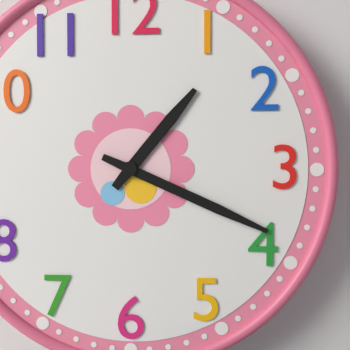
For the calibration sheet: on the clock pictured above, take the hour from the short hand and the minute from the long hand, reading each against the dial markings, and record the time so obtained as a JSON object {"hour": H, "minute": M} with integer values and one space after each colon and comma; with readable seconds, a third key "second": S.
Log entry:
{"hour": 1, "minute": 19}
